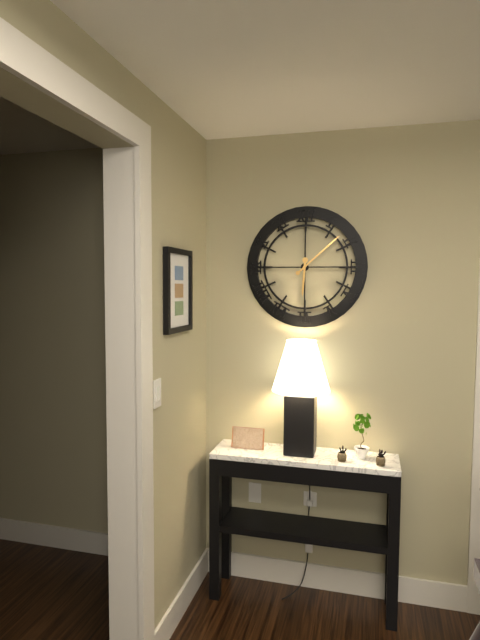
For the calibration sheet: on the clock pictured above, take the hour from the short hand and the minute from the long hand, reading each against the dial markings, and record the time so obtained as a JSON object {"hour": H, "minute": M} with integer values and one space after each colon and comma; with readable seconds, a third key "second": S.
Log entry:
{"hour": 6, "minute": 8}
